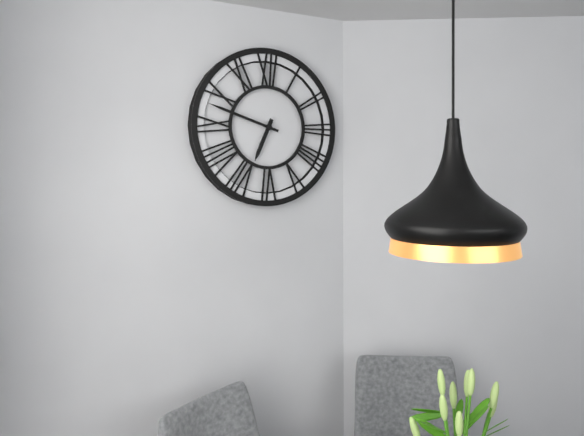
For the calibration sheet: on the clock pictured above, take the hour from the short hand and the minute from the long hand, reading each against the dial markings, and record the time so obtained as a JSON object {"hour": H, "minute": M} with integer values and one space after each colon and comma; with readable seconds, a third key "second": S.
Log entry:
{"hour": 6, "minute": 48}
